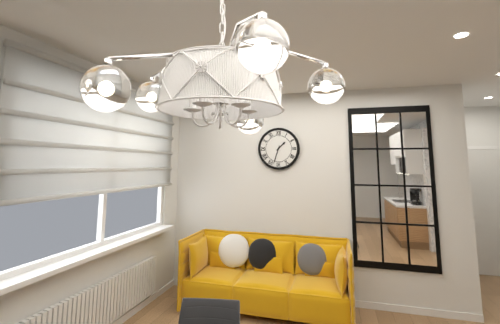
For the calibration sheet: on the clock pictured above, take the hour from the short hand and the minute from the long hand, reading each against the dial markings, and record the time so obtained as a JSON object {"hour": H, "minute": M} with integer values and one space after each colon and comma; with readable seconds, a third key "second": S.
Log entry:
{"hour": 1, "minute": 33}
